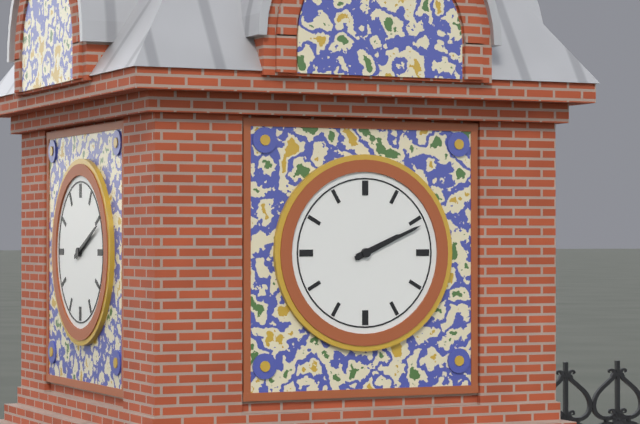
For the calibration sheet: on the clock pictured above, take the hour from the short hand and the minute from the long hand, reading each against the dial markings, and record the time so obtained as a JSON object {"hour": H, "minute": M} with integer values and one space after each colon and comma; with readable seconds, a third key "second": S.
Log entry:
{"hour": 2, "minute": 11}
